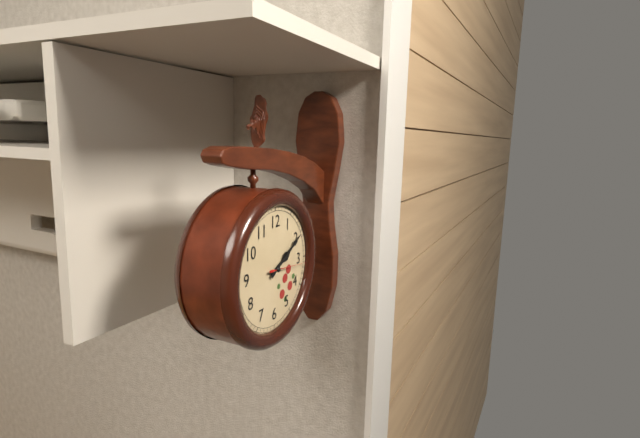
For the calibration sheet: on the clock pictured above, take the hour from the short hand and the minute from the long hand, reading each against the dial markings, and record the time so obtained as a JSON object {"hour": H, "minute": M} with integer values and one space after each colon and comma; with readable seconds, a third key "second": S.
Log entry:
{"hour": 2, "minute": 10}
